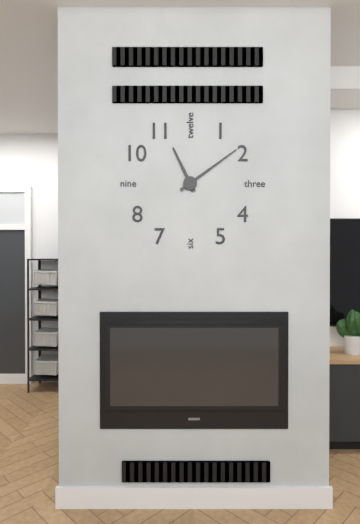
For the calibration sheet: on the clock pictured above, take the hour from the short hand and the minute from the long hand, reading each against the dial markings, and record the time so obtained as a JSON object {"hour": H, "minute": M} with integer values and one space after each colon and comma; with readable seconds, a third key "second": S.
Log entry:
{"hour": 11, "minute": 9}
